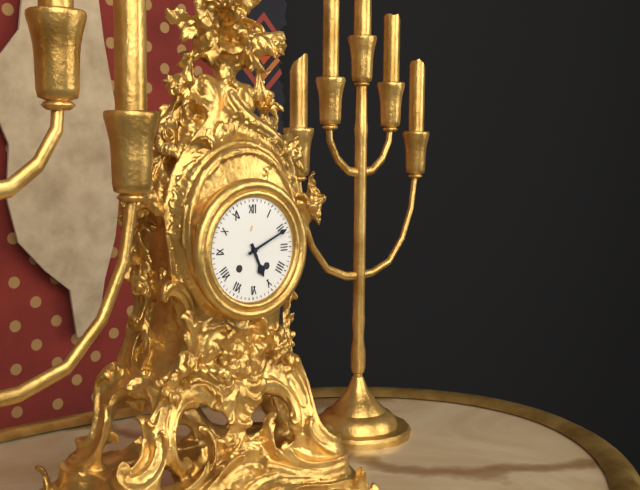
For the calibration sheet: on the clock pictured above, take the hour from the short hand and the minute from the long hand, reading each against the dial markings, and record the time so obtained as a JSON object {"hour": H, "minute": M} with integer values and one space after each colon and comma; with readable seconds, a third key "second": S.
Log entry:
{"hour": 5, "minute": 11}
